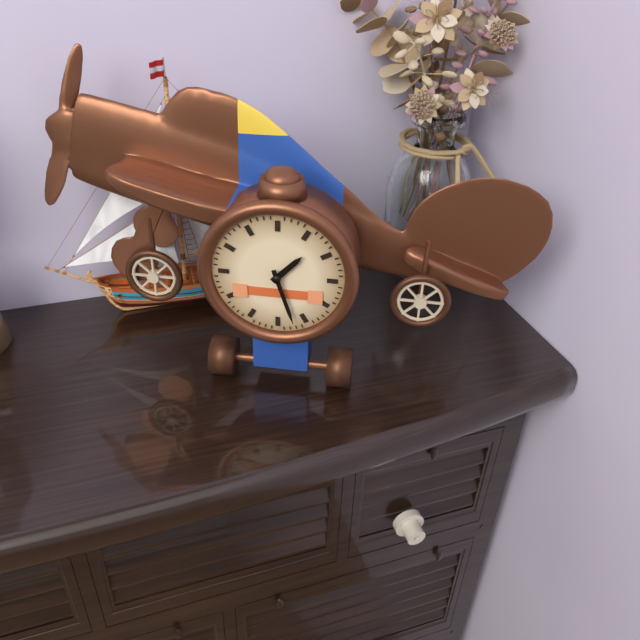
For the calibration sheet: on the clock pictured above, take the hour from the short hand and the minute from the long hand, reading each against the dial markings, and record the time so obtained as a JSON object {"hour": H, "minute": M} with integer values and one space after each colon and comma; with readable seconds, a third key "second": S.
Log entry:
{"hour": 1, "minute": 27}
